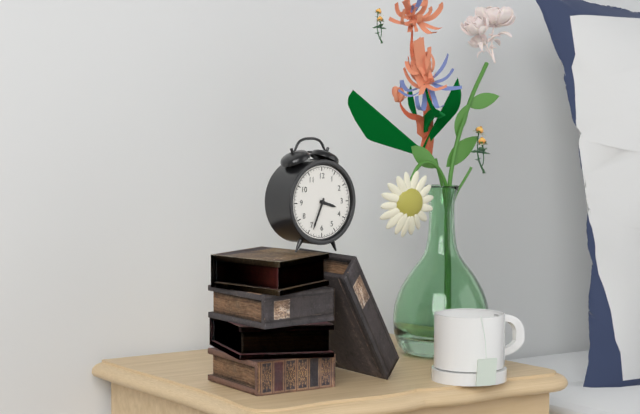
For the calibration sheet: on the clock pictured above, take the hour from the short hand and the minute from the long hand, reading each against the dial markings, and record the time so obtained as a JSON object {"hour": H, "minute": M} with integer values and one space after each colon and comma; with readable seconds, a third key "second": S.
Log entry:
{"hour": 3, "minute": 34}
